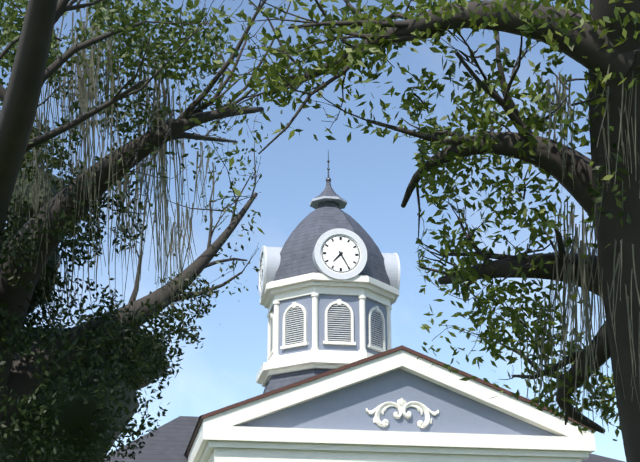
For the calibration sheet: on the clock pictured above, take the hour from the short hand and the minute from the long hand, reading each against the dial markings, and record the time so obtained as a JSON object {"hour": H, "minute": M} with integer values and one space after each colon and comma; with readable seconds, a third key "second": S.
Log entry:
{"hour": 7, "minute": 25}
